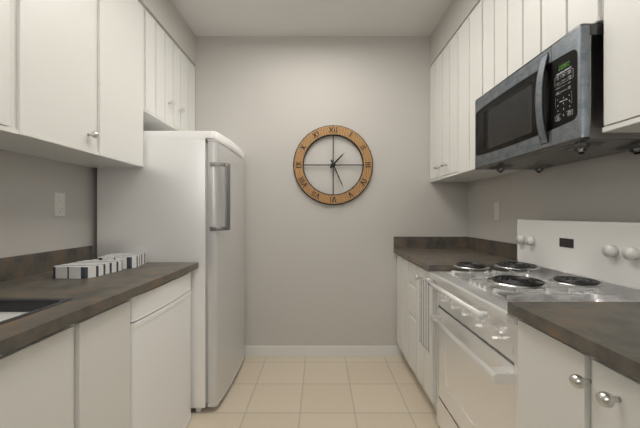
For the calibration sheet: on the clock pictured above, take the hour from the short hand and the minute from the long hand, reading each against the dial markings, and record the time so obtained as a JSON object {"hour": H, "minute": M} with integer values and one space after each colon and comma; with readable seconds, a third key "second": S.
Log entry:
{"hour": 1, "minute": 26}
